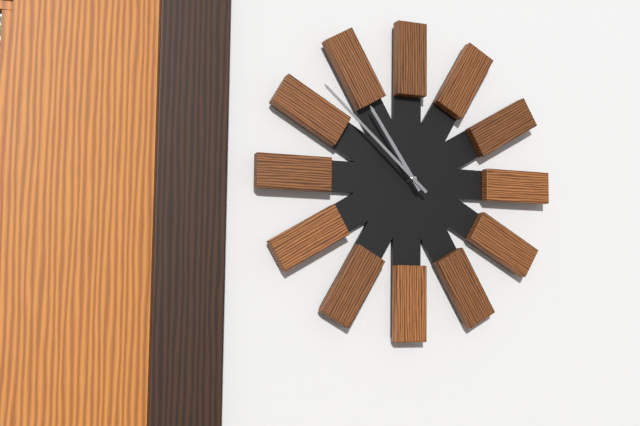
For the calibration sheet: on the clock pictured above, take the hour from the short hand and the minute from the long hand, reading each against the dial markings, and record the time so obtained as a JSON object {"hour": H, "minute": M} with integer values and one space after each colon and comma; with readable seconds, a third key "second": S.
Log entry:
{"hour": 10, "minute": 52}
